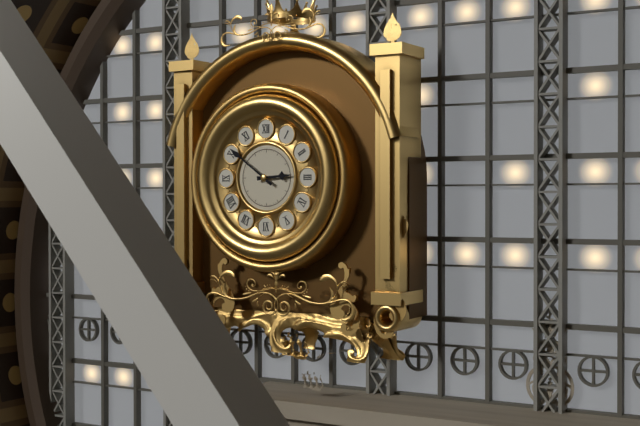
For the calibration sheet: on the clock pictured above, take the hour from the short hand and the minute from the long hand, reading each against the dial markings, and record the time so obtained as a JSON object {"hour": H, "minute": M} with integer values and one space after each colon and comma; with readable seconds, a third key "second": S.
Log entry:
{"hour": 2, "minute": 51}
